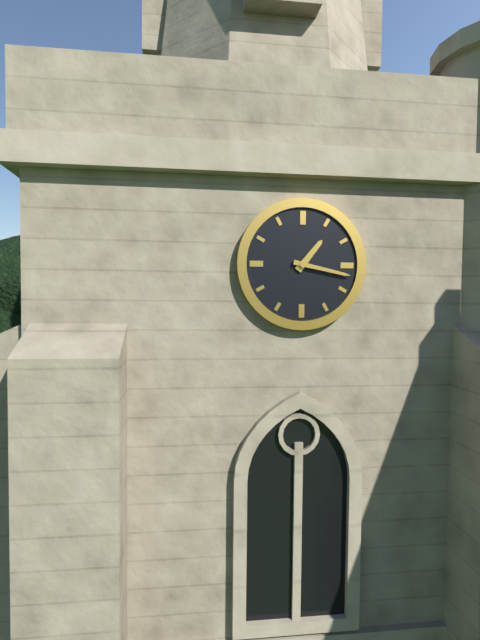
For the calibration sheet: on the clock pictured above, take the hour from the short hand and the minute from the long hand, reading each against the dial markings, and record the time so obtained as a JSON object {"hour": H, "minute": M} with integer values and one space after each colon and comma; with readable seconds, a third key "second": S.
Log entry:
{"hour": 1, "minute": 17}
